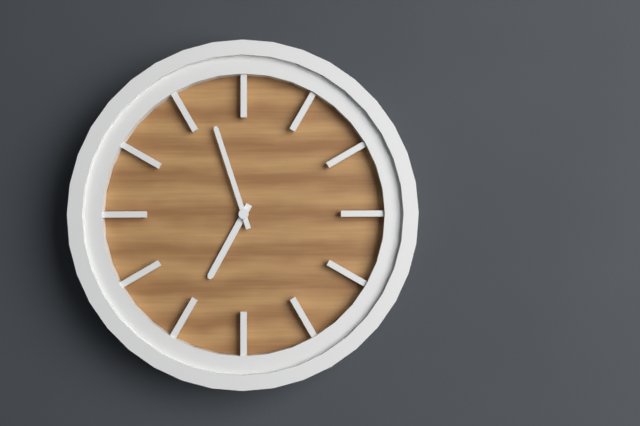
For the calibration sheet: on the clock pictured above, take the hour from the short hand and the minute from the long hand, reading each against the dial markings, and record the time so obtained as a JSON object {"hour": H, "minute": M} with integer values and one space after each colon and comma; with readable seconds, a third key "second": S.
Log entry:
{"hour": 6, "minute": 57}
